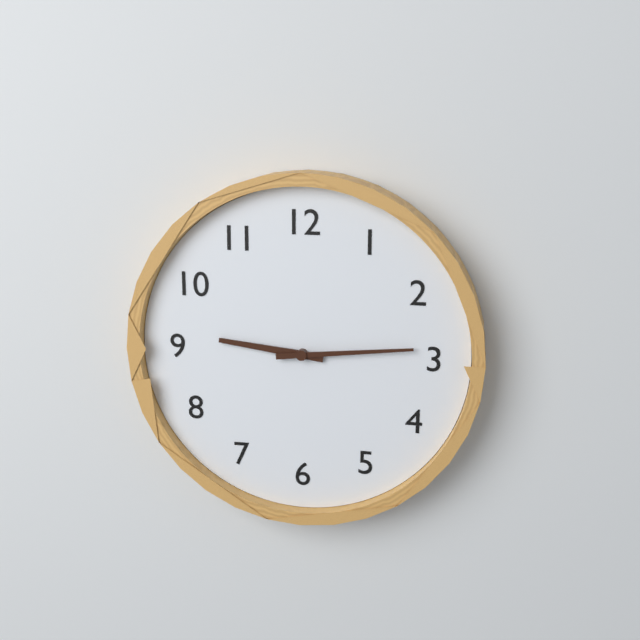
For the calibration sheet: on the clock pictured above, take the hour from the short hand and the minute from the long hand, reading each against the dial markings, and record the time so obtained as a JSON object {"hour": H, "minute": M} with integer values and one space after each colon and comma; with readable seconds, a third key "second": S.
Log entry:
{"hour": 9, "minute": 14}
